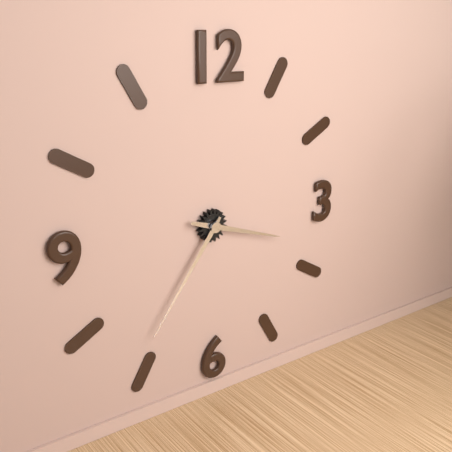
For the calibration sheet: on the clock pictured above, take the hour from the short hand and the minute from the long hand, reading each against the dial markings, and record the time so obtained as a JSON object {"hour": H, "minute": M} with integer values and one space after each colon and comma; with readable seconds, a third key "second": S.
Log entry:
{"hour": 3, "minute": 36}
